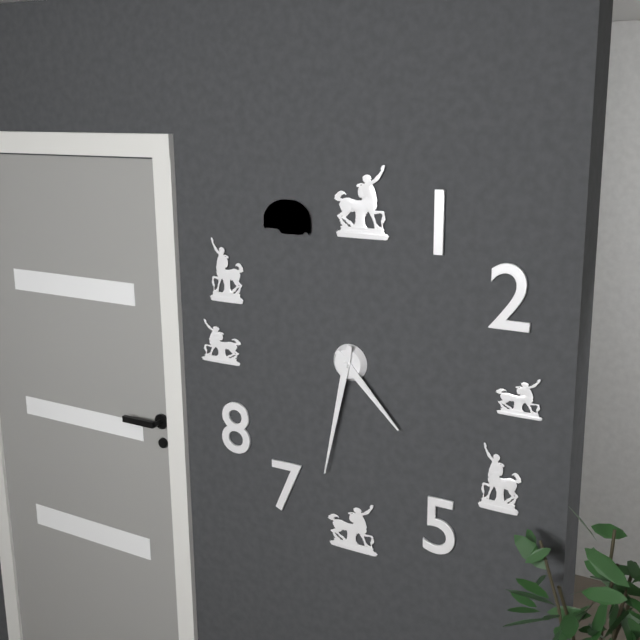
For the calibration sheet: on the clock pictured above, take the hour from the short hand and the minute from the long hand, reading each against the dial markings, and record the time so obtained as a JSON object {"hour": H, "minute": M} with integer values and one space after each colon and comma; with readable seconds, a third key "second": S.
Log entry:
{"hour": 4, "minute": 32}
